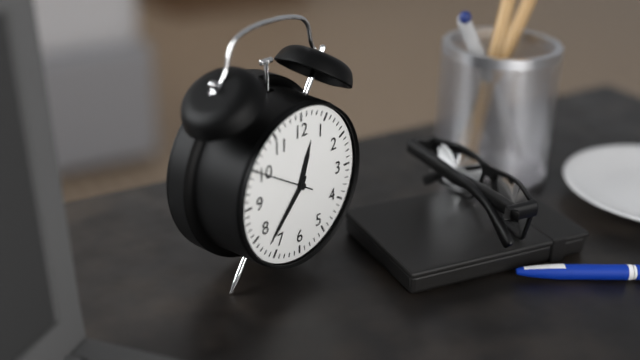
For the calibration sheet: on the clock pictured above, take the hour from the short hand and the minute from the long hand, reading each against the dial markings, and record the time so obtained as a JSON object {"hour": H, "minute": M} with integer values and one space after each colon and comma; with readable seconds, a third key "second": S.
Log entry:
{"hour": 12, "minute": 37}
